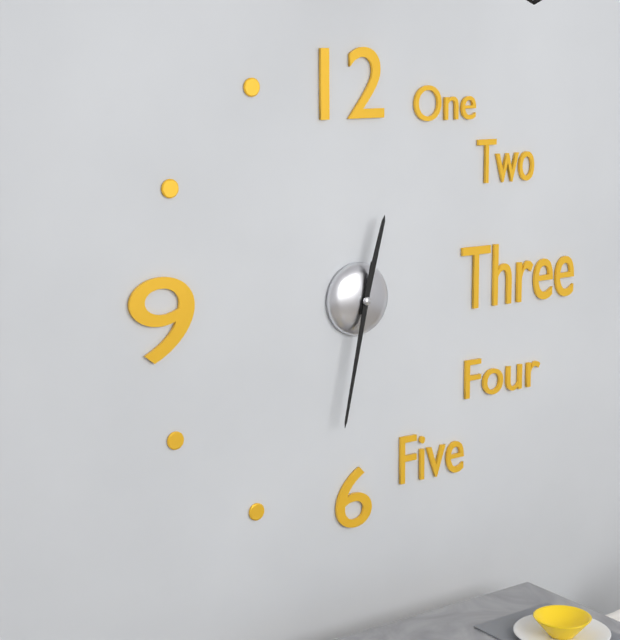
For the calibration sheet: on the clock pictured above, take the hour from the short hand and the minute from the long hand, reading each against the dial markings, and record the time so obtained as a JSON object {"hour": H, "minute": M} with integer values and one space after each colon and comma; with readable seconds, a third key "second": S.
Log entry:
{"hour": 12, "minute": 32}
